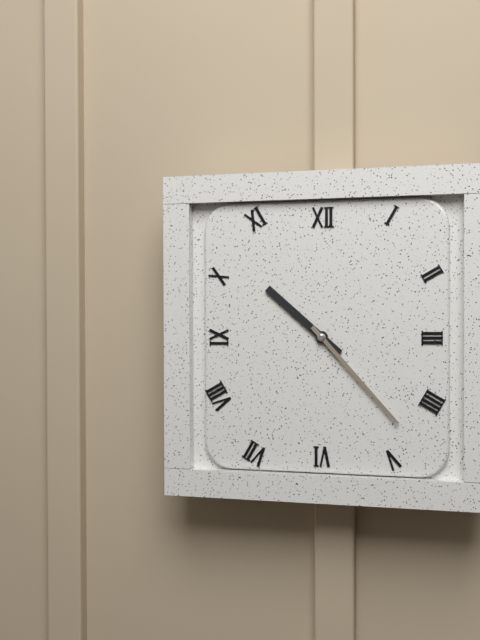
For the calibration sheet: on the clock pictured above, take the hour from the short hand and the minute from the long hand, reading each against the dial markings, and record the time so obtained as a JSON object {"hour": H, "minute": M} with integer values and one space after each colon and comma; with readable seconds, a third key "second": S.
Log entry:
{"hour": 10, "minute": 23}
